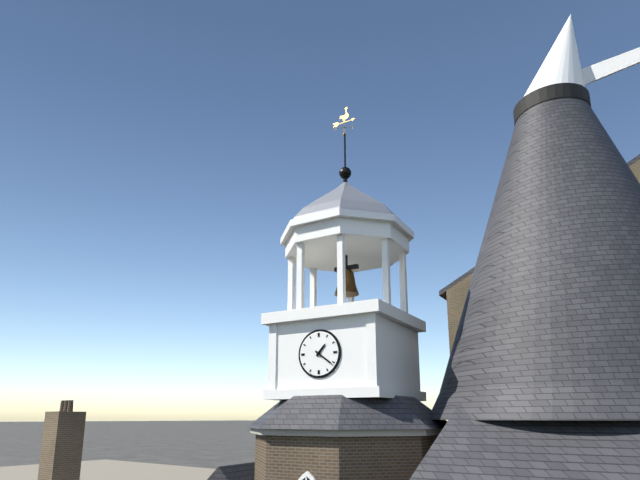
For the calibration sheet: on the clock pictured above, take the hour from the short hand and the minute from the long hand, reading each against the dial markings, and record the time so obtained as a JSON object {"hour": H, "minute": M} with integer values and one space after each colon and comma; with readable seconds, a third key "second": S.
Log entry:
{"hour": 1, "minute": 21}
